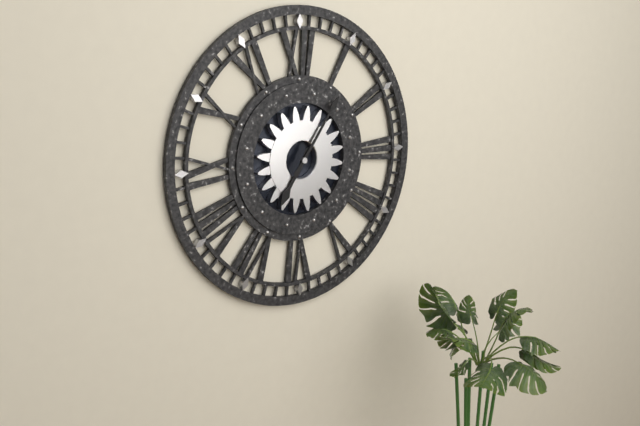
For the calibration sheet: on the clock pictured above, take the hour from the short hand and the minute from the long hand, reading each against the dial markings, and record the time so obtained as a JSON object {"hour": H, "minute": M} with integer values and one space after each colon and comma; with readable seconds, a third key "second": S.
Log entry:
{"hour": 7, "minute": 6}
